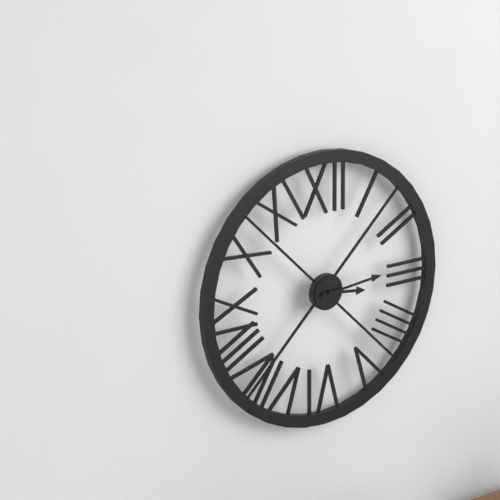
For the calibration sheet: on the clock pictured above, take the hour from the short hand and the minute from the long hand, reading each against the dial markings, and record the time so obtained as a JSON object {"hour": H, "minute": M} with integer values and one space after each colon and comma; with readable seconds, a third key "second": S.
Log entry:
{"hour": 3, "minute": 14}
